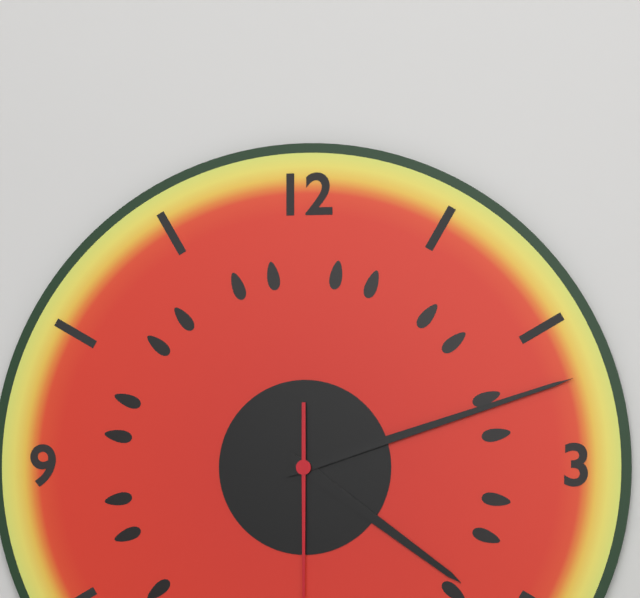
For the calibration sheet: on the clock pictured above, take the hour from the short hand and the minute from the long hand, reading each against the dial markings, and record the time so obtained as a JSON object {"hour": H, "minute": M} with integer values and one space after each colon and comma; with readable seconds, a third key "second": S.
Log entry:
{"hour": 4, "minute": 12}
